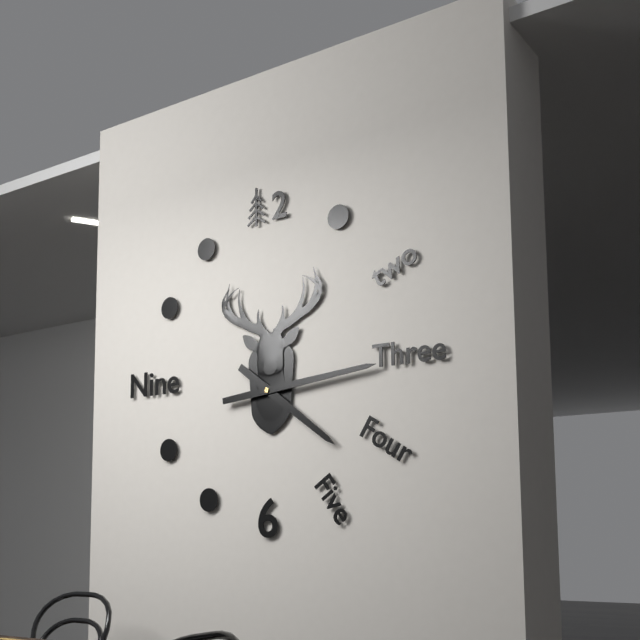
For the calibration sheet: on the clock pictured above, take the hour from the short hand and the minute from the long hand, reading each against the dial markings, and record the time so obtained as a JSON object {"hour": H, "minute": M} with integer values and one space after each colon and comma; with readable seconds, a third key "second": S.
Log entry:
{"hour": 4, "minute": 14}
